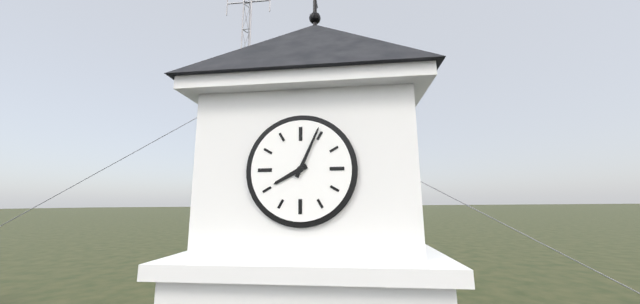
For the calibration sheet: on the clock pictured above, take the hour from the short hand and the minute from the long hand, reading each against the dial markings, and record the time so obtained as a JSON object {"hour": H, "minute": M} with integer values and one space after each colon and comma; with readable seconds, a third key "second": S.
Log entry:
{"hour": 8, "minute": 4}
